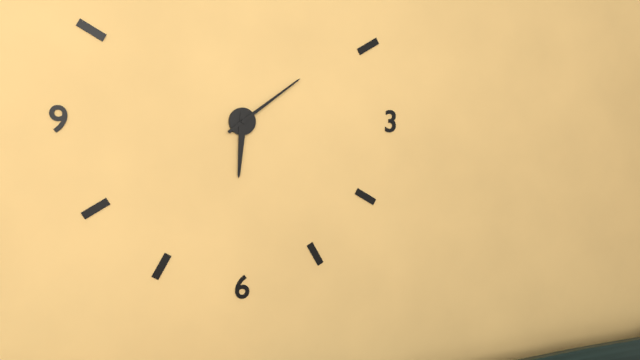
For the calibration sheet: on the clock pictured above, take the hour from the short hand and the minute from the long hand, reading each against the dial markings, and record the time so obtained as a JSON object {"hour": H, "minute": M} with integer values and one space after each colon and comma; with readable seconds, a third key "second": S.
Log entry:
{"hour": 6, "minute": 9}
